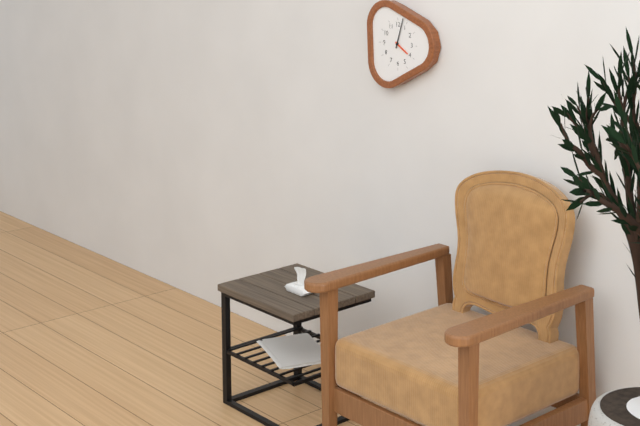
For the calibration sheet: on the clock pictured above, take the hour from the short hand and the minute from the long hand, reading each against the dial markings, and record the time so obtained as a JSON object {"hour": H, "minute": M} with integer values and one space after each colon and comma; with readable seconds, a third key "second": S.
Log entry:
{"hour": 4, "minute": 3}
